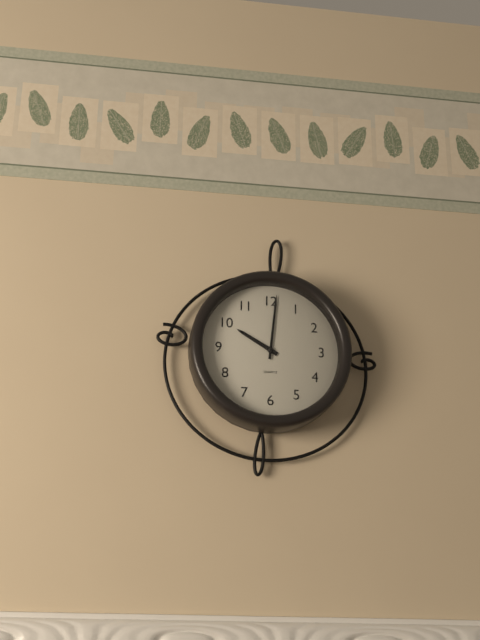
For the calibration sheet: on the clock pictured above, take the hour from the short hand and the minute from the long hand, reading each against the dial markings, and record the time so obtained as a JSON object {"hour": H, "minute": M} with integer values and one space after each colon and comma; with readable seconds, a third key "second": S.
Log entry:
{"hour": 10, "minute": 1}
